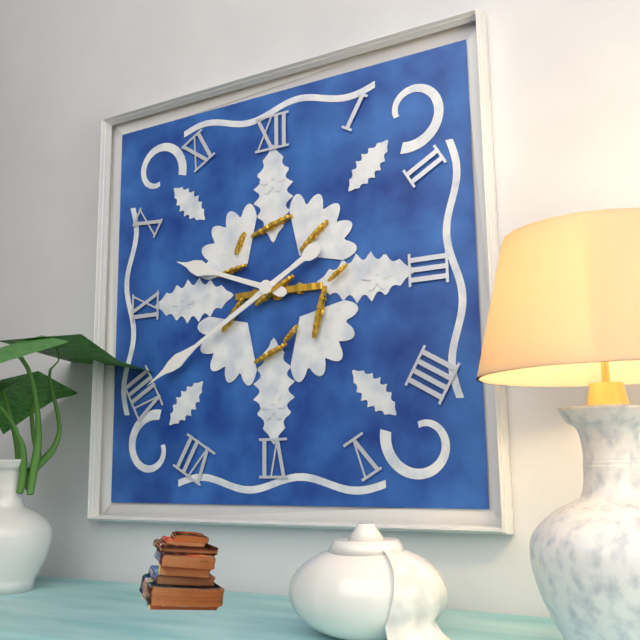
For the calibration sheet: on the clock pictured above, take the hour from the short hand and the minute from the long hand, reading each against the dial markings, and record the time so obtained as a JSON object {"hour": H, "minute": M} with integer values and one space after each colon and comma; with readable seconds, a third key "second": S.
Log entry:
{"hour": 9, "minute": 40}
